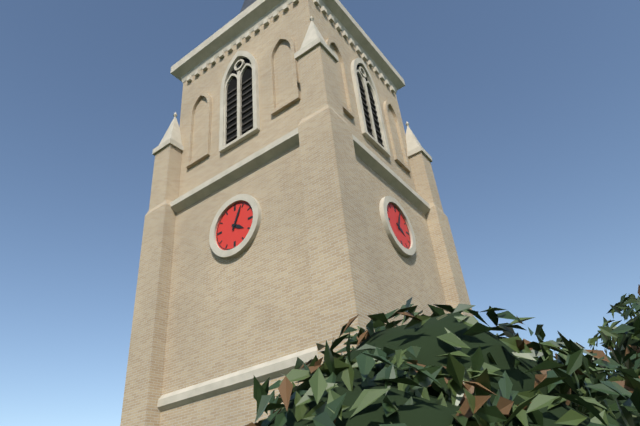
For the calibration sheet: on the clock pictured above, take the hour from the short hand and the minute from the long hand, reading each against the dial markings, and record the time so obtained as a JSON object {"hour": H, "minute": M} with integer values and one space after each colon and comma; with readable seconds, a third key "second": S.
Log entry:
{"hour": 4, "minute": 4}
